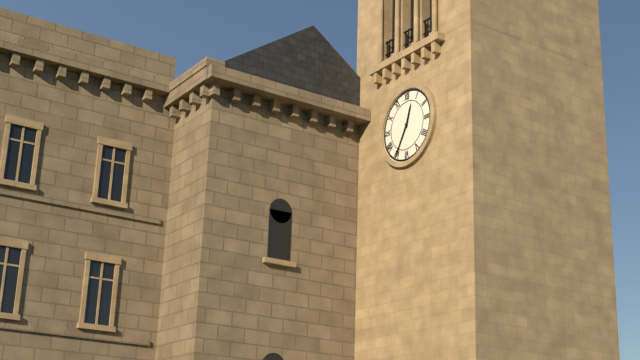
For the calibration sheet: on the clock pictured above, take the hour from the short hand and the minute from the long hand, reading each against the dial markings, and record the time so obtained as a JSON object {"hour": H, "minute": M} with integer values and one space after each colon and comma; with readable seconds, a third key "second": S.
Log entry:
{"hour": 12, "minute": 35}
